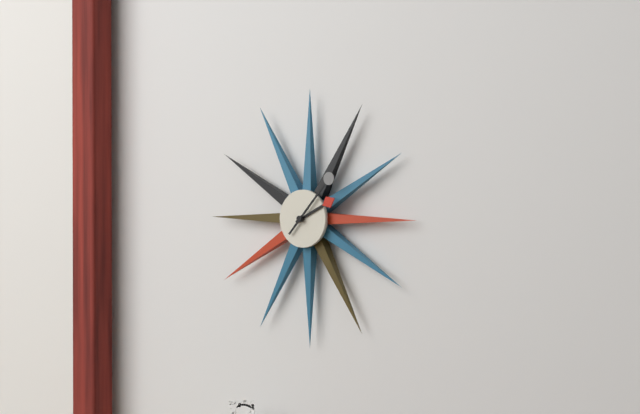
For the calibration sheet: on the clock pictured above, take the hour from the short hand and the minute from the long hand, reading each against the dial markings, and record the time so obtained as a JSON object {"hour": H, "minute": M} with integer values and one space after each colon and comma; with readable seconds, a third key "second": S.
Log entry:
{"hour": 2, "minute": 7}
